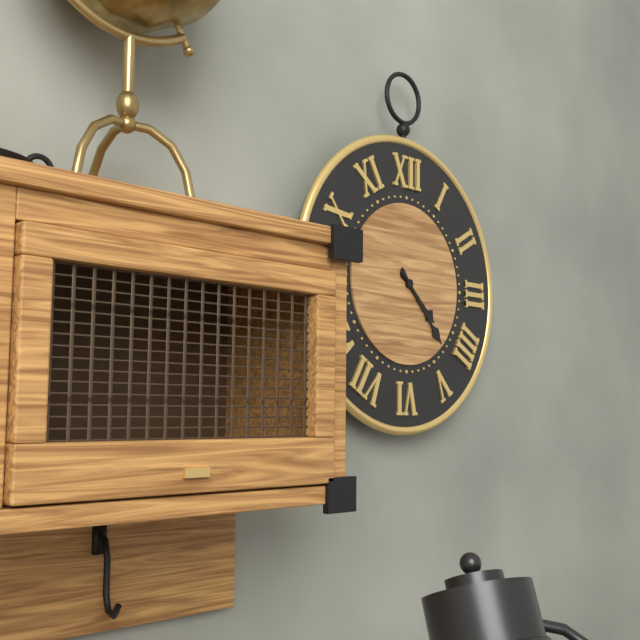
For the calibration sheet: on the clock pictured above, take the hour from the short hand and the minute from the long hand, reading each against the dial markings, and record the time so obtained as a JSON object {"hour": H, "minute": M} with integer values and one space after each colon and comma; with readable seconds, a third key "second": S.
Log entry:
{"hour": 4, "minute": 23}
